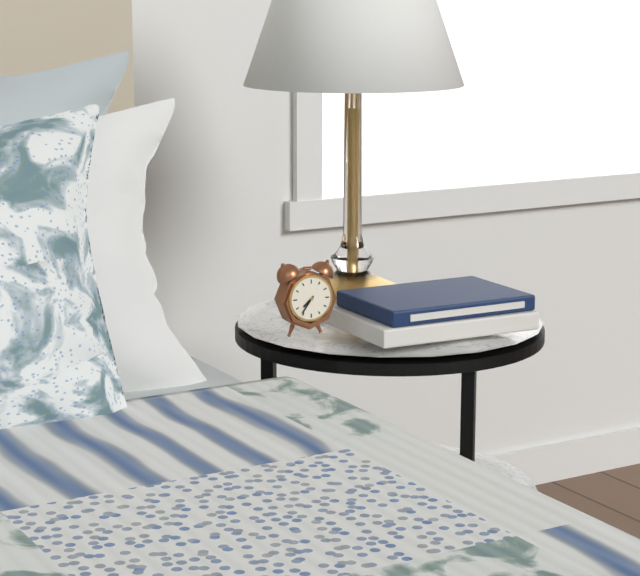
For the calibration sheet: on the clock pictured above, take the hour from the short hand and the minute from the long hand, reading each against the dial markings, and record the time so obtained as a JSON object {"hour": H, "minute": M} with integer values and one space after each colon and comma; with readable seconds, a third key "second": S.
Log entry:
{"hour": 7, "minute": 36}
